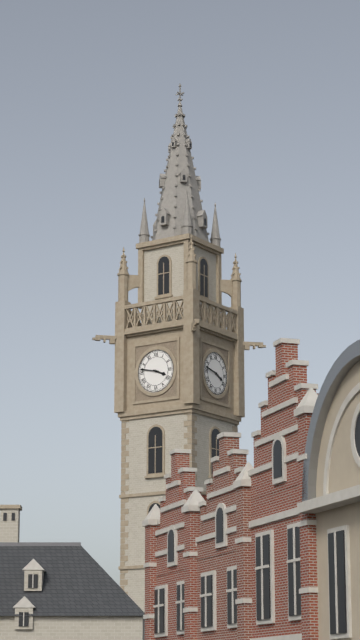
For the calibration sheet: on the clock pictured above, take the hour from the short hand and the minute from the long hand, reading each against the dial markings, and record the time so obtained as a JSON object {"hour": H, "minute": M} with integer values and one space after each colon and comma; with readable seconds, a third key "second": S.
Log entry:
{"hour": 3, "minute": 47}
